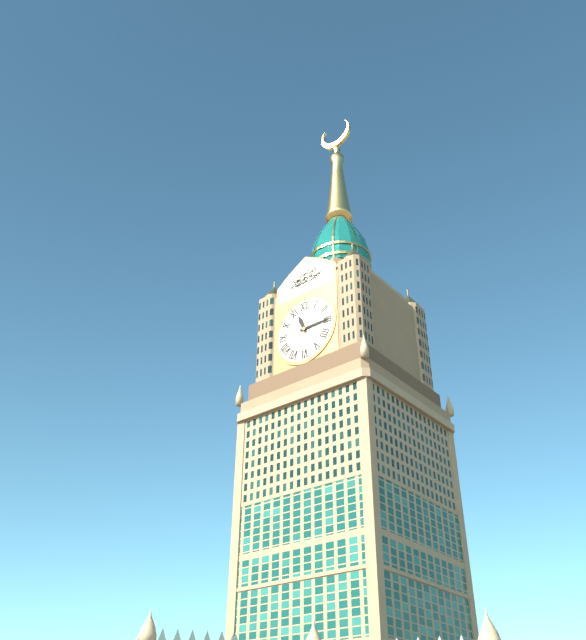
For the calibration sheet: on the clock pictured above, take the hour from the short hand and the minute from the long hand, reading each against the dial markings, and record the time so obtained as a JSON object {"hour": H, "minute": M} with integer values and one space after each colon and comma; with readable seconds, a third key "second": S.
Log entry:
{"hour": 11, "minute": 15}
